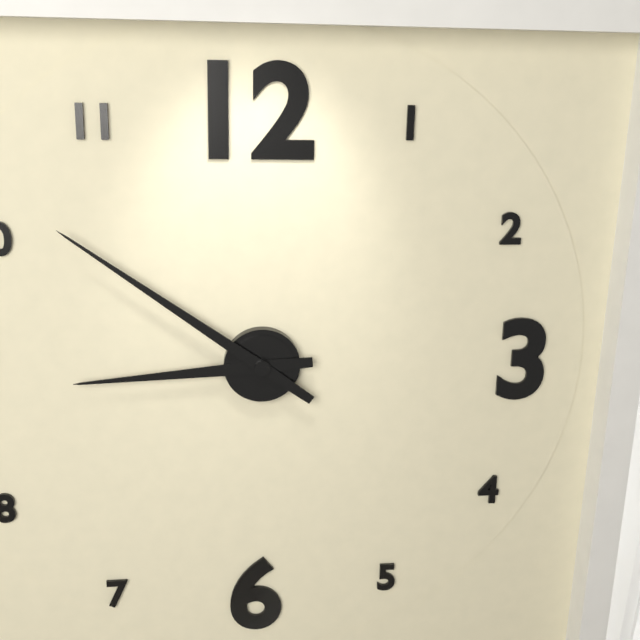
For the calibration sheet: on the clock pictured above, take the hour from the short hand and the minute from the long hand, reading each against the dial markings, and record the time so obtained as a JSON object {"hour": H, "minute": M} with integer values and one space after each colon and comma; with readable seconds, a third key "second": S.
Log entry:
{"hour": 8, "minute": 51}
